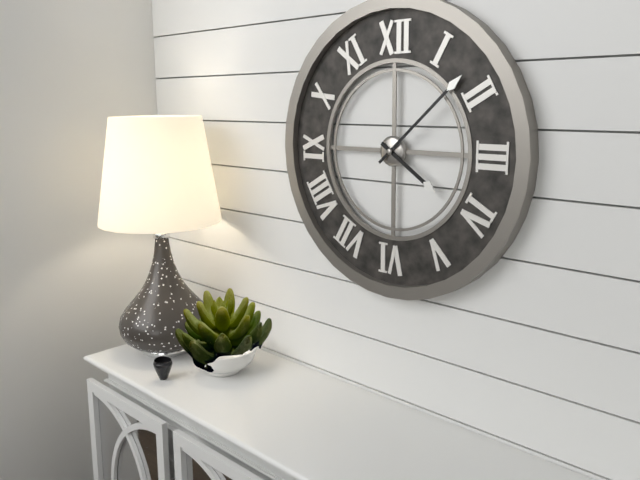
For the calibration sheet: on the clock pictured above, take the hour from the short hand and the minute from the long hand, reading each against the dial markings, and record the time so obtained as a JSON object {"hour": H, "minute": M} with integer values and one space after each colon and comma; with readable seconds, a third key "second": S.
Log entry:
{"hour": 4, "minute": 8}
